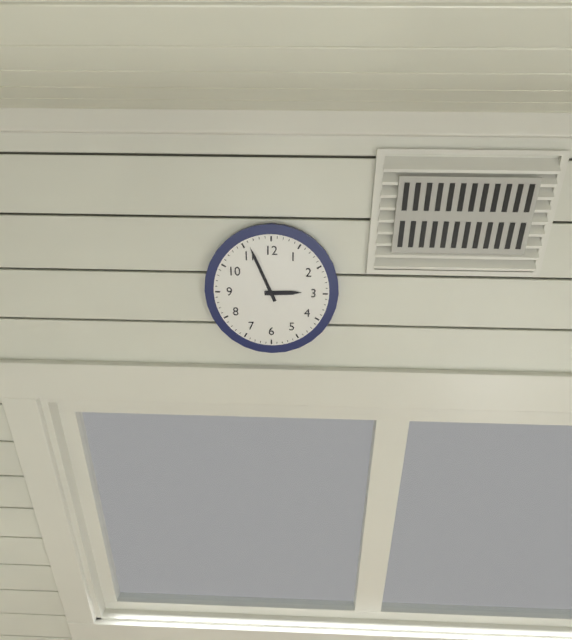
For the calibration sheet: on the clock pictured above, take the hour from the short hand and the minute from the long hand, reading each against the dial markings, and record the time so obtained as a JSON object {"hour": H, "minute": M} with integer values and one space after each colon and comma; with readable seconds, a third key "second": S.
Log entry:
{"hour": 2, "minute": 56}
